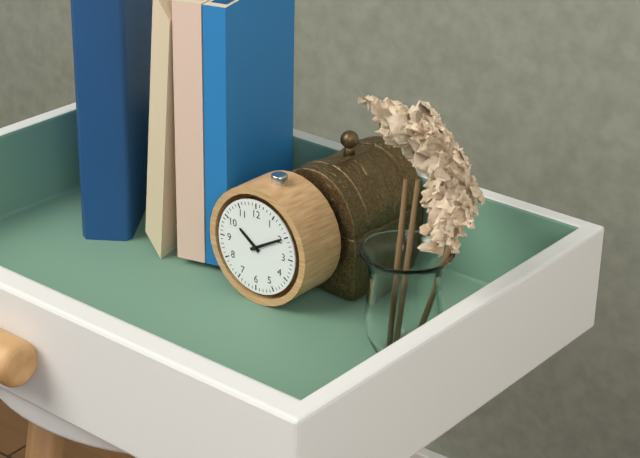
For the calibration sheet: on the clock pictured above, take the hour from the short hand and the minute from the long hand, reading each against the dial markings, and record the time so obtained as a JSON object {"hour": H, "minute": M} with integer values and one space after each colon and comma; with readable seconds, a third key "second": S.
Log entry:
{"hour": 10, "minute": 10}
